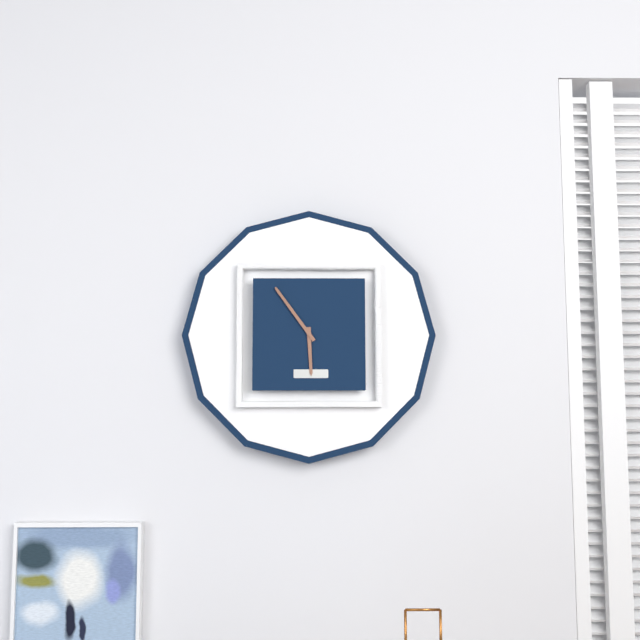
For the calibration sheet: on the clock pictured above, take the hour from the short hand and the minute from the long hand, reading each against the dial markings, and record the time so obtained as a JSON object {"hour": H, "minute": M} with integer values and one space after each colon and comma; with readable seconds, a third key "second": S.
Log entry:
{"hour": 5, "minute": 54}
